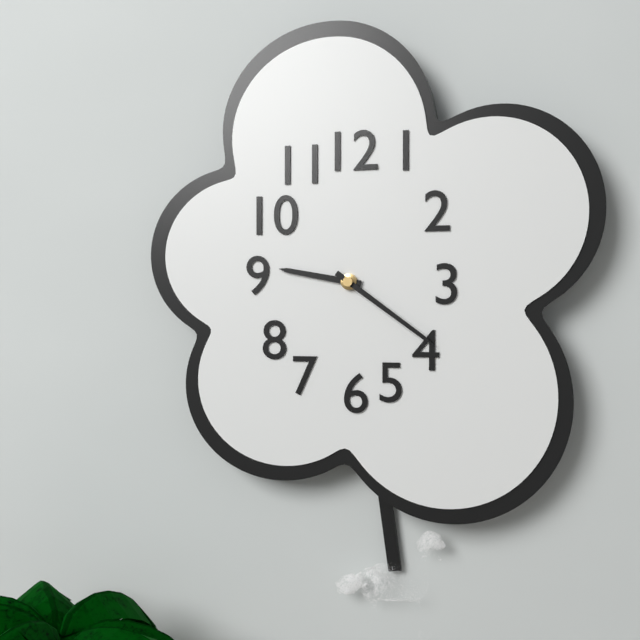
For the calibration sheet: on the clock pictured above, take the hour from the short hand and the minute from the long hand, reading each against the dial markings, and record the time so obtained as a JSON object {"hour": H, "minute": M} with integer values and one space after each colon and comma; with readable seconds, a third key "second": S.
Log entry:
{"hour": 9, "minute": 21}
